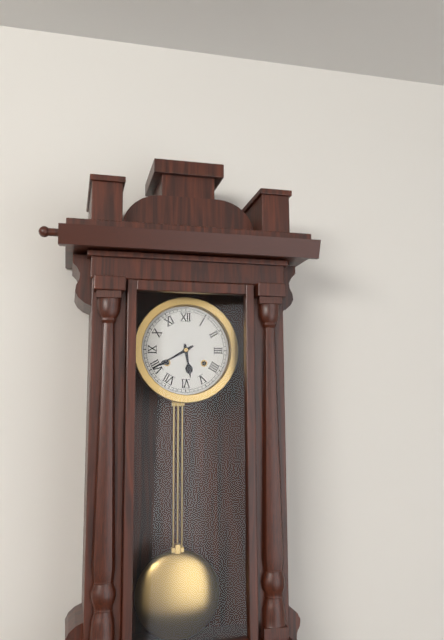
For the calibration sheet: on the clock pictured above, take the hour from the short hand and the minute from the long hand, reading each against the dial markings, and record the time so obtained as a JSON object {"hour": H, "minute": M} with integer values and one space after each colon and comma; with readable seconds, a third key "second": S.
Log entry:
{"hour": 5, "minute": 40}
